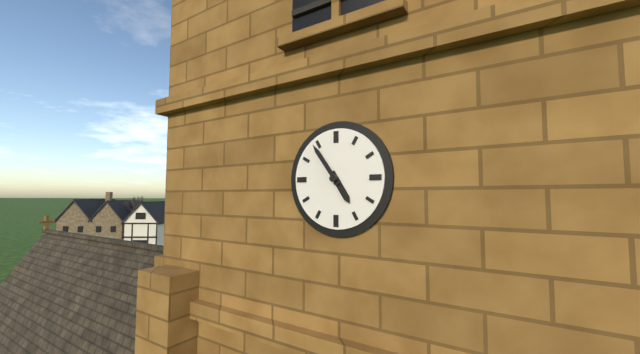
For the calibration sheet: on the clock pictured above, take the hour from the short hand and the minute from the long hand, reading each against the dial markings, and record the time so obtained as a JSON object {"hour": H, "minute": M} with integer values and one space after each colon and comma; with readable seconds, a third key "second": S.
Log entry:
{"hour": 4, "minute": 54}
